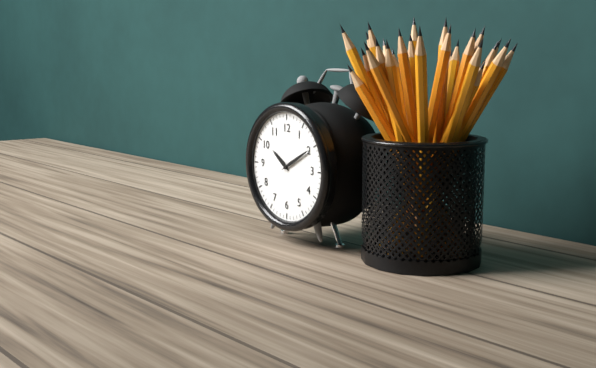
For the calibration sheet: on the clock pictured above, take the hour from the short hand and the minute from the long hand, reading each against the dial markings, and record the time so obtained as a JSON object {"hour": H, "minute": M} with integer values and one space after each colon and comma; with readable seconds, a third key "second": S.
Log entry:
{"hour": 10, "minute": 10}
